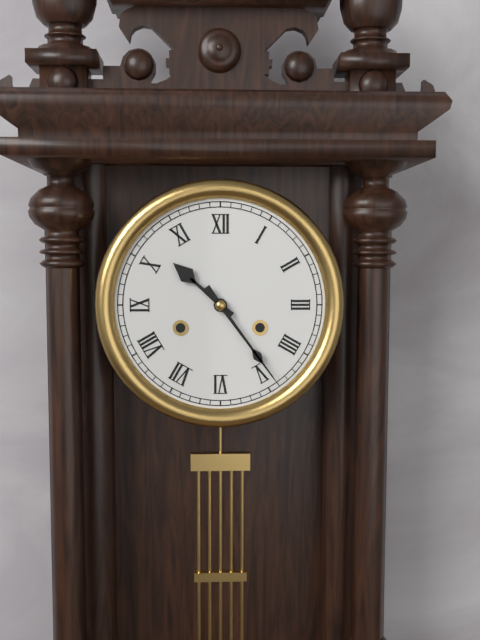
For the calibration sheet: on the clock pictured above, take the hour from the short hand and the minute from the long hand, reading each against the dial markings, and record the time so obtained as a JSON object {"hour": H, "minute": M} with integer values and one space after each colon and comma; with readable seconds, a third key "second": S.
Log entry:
{"hour": 10, "minute": 24}
